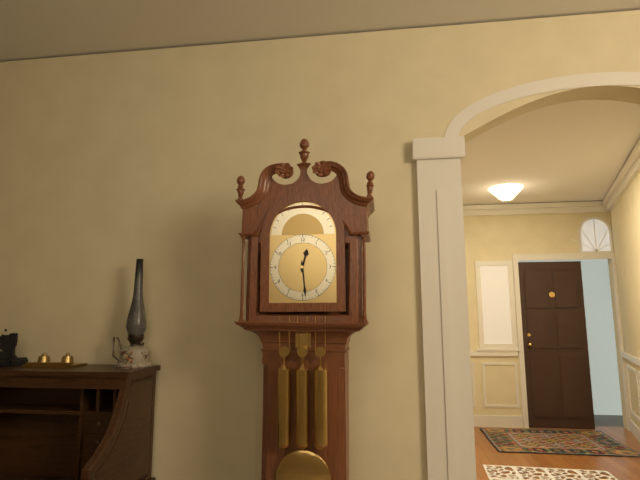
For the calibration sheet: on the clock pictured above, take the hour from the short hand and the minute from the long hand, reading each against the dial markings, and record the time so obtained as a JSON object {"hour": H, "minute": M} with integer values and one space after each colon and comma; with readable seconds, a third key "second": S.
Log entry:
{"hour": 12, "minute": 29}
